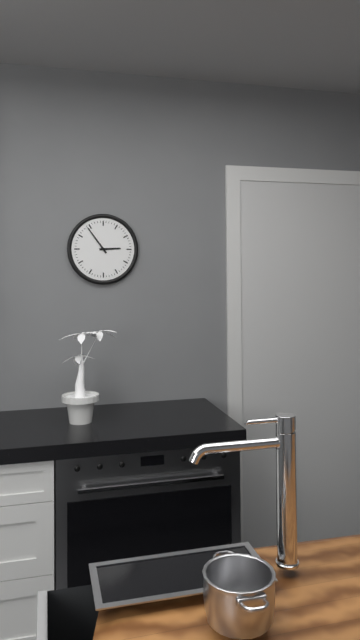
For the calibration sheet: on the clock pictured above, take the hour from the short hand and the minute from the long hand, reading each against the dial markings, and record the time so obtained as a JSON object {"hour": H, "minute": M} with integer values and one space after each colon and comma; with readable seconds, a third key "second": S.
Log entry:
{"hour": 2, "minute": 54}
